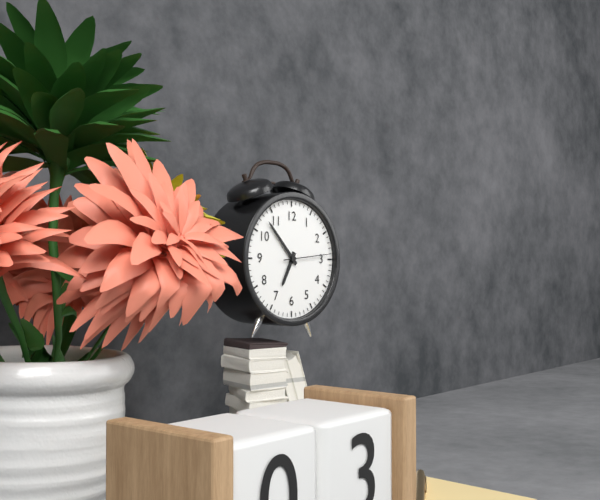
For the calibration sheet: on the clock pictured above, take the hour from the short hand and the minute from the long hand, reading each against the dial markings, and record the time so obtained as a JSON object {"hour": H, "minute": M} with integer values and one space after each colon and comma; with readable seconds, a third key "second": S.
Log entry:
{"hour": 6, "minute": 53}
